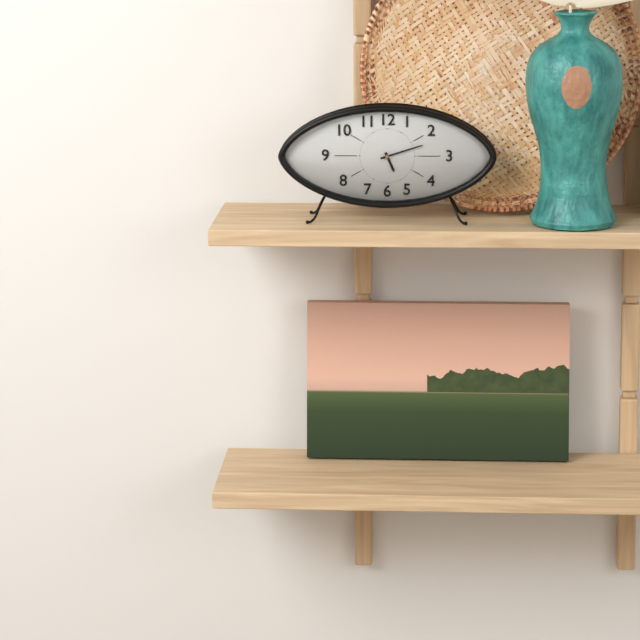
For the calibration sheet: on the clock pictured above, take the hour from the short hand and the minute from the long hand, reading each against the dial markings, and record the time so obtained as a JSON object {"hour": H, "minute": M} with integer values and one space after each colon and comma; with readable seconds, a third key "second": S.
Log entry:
{"hour": 5, "minute": 12}
